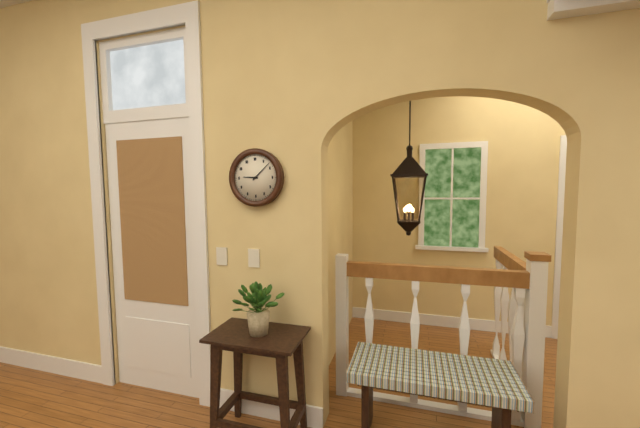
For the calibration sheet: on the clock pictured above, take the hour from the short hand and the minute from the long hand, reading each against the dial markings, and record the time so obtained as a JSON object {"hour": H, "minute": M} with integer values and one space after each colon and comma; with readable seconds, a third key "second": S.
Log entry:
{"hour": 9, "minute": 8}
